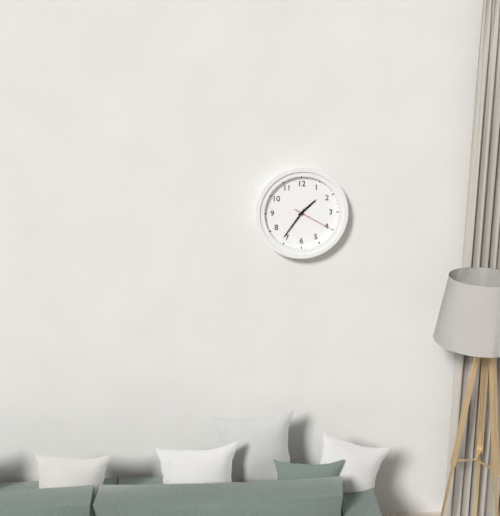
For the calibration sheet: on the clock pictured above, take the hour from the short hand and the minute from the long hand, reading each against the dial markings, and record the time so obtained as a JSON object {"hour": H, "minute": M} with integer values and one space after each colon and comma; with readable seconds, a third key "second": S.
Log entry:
{"hour": 1, "minute": 36}
